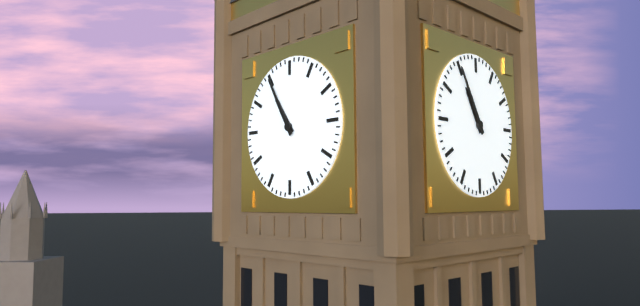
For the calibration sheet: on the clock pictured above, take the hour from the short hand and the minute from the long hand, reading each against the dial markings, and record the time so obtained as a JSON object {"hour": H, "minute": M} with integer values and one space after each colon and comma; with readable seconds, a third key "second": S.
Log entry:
{"hour": 10, "minute": 55}
